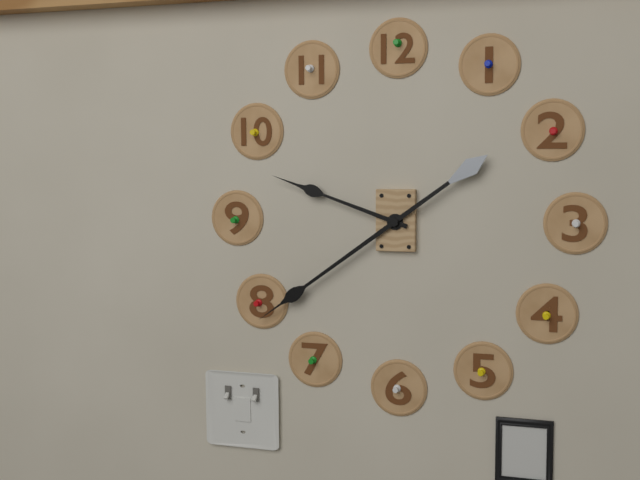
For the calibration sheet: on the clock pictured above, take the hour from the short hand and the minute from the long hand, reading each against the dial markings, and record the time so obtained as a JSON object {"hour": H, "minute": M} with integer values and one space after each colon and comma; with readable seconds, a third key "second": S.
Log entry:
{"hour": 9, "minute": 39}
